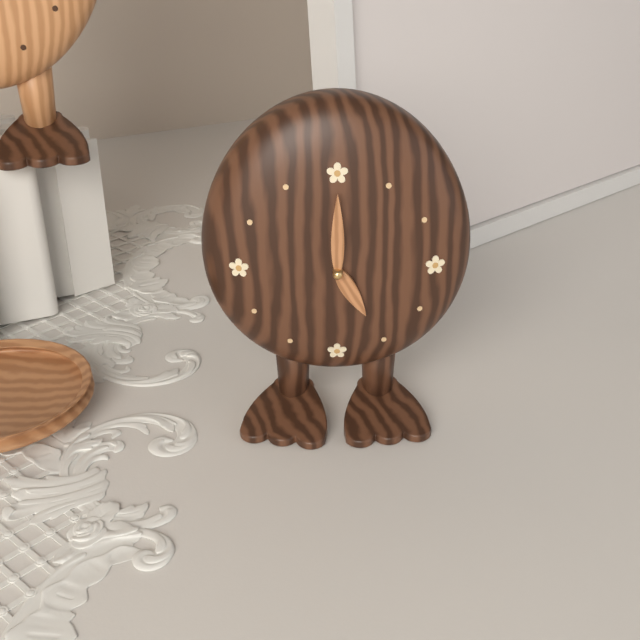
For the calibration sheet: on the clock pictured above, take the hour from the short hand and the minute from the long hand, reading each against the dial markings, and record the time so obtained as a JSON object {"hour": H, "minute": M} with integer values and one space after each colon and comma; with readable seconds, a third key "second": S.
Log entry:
{"hour": 5, "minute": 0}
